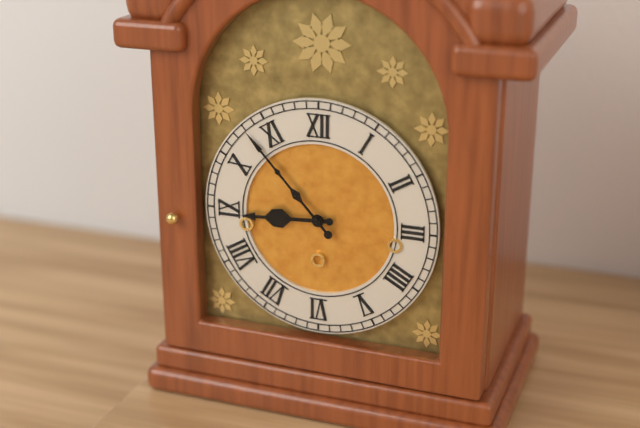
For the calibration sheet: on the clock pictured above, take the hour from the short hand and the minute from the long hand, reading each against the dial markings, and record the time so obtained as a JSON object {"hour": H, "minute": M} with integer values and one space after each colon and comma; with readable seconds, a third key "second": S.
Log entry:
{"hour": 8, "minute": 53}
